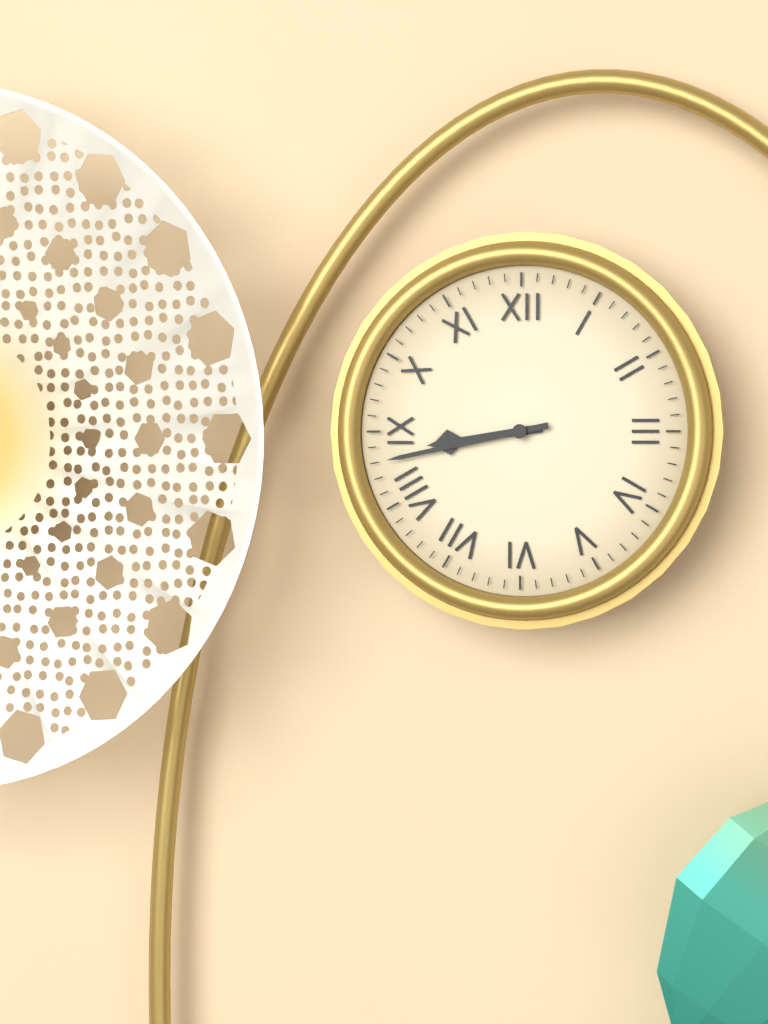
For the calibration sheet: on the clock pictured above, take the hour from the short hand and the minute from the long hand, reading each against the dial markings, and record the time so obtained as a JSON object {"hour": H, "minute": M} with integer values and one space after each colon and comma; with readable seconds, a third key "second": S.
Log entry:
{"hour": 8, "minute": 43}
